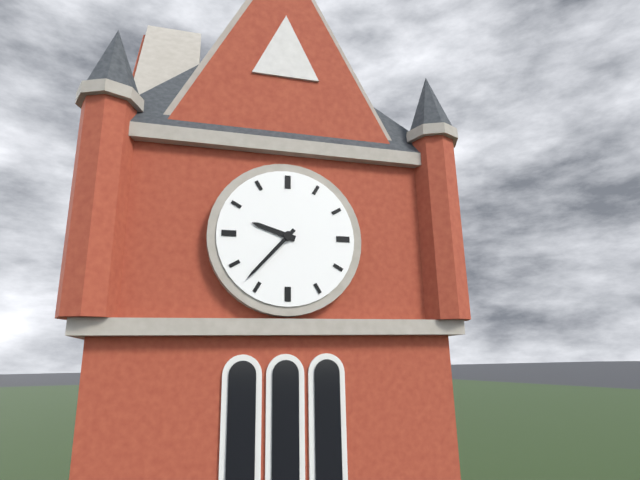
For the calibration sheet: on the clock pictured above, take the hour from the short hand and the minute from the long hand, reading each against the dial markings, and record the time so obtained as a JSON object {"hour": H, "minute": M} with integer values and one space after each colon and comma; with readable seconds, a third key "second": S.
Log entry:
{"hour": 9, "minute": 37}
